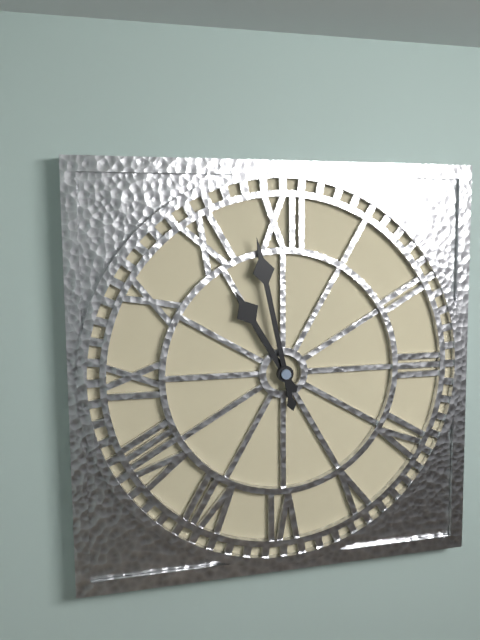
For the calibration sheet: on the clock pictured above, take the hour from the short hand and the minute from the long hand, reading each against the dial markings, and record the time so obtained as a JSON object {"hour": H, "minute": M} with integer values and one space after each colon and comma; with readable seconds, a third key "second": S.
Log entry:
{"hour": 10, "minute": 58}
